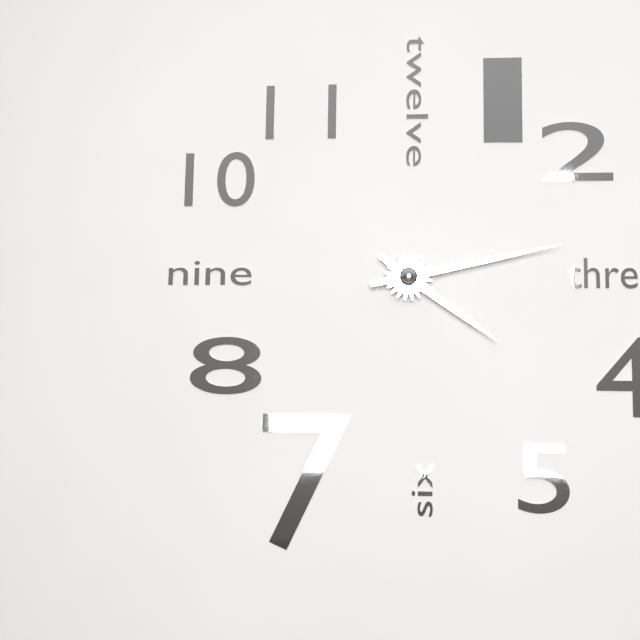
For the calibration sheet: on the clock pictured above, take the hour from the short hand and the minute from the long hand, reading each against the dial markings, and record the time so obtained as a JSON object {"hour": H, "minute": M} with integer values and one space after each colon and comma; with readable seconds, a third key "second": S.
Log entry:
{"hour": 4, "minute": 13}
